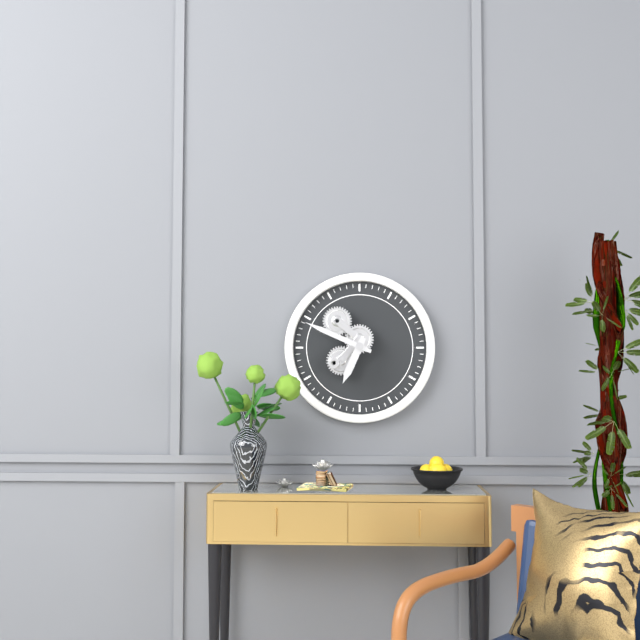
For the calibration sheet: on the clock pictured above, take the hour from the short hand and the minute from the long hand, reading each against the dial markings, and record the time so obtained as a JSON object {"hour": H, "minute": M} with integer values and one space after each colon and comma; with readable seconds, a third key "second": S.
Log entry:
{"hour": 6, "minute": 49}
